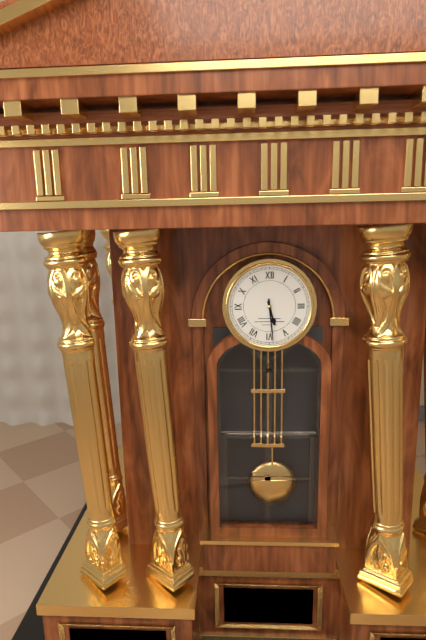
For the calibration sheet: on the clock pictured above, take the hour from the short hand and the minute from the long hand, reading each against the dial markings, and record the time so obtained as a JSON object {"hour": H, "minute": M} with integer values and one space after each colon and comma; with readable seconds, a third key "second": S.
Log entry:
{"hour": 5, "minute": 29}
